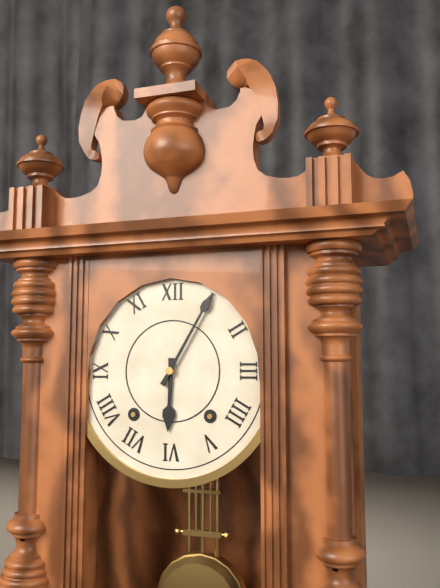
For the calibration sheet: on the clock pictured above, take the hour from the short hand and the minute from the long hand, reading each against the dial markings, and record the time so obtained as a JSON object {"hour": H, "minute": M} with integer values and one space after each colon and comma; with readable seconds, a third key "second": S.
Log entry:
{"hour": 6, "minute": 5}
